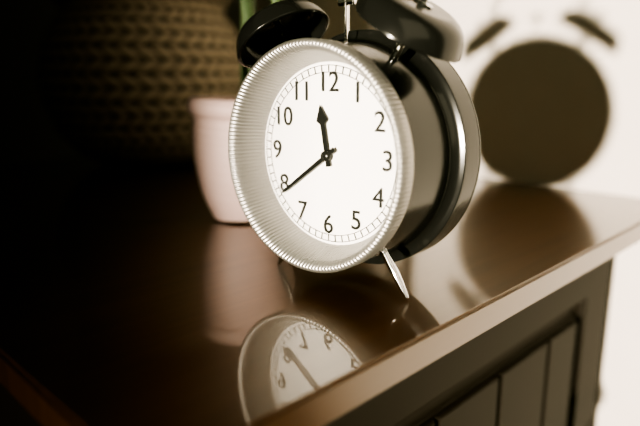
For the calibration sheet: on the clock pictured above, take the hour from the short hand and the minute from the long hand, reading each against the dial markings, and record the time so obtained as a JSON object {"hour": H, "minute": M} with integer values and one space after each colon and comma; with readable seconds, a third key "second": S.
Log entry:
{"hour": 11, "minute": 39}
